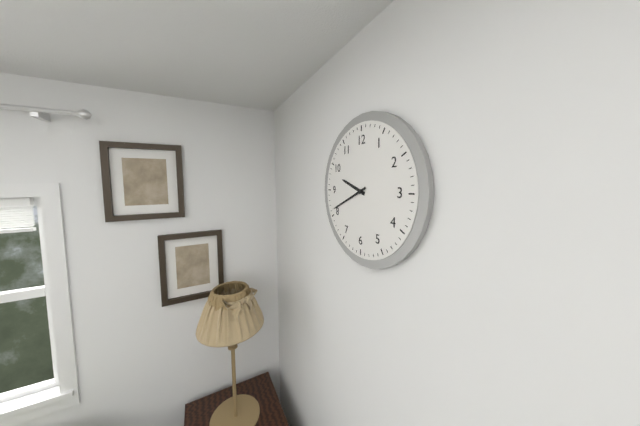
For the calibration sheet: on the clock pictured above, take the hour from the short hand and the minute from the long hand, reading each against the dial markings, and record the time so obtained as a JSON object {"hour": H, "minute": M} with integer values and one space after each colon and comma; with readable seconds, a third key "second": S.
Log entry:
{"hour": 9, "minute": 41}
